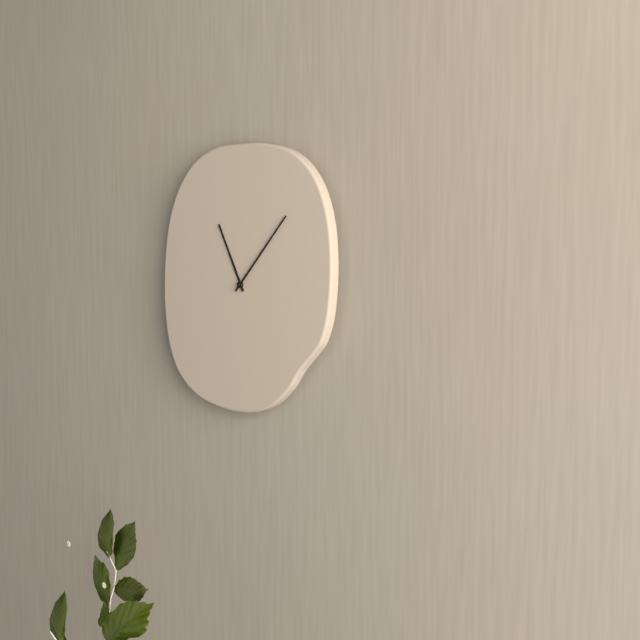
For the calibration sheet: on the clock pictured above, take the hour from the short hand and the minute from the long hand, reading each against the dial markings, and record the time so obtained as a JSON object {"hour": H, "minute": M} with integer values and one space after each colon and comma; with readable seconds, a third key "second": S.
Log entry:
{"hour": 11, "minute": 7}
